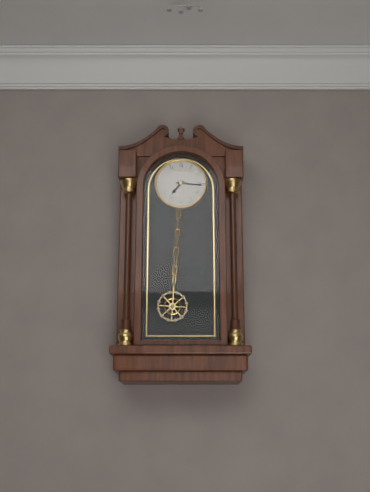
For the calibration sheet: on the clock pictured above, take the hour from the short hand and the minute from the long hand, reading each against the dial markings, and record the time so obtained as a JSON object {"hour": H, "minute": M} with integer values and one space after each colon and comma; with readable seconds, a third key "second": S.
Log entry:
{"hour": 7, "minute": 16}
